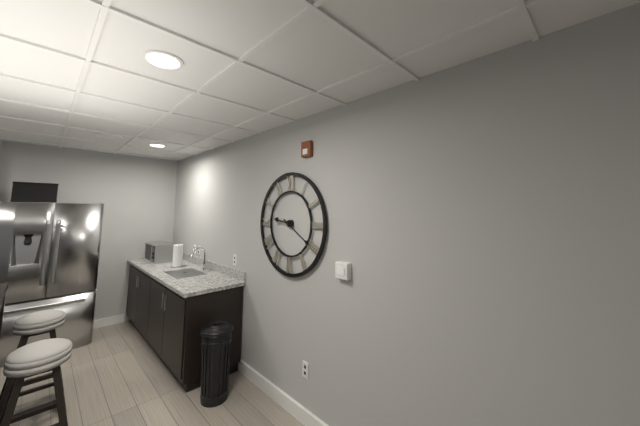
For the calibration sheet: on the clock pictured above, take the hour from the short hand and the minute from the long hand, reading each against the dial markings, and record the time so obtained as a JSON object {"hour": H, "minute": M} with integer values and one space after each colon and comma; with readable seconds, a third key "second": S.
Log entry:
{"hour": 9, "minute": 20}
